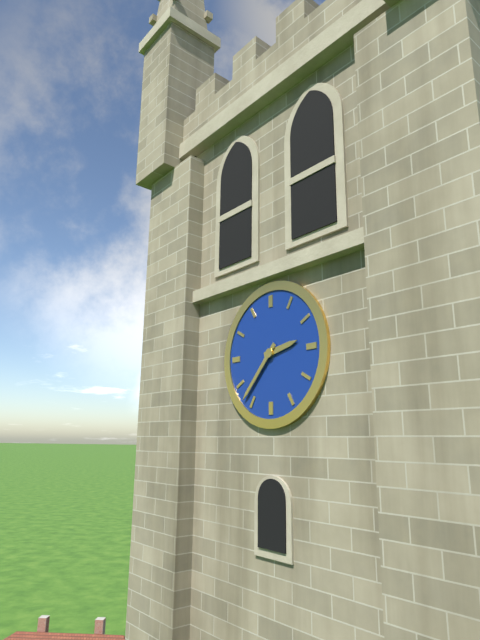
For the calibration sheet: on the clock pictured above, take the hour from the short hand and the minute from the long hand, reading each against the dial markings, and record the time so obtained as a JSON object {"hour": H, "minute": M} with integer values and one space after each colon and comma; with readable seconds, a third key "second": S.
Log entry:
{"hour": 2, "minute": 37}
